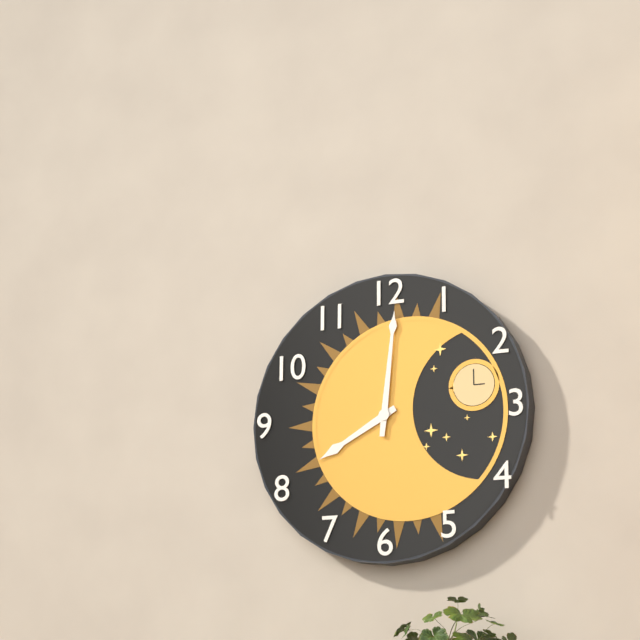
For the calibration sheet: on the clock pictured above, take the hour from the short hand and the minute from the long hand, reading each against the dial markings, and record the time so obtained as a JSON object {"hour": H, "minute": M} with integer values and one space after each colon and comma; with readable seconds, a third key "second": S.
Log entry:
{"hour": 8, "minute": 1}
